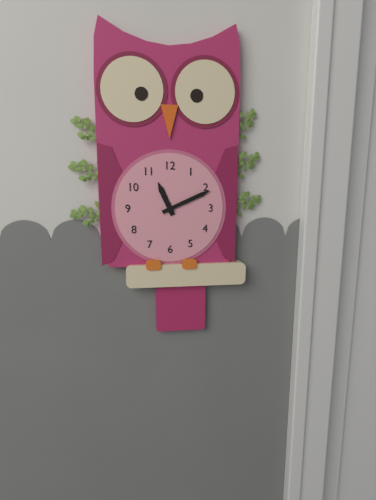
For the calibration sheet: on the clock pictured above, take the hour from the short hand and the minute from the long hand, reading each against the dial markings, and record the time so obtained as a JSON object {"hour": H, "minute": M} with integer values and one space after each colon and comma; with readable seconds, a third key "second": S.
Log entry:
{"hour": 11, "minute": 11}
